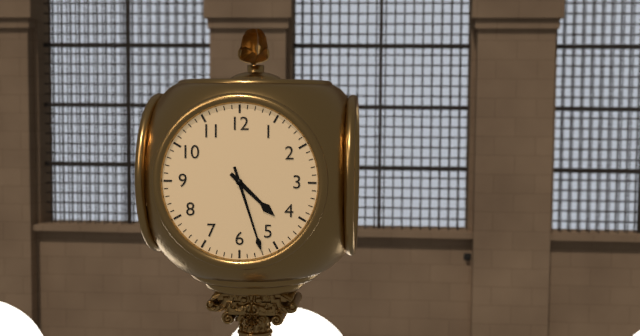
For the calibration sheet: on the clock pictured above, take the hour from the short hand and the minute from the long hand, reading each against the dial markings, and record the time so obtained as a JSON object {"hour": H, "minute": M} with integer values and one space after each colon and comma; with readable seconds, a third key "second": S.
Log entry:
{"hour": 4, "minute": 27}
